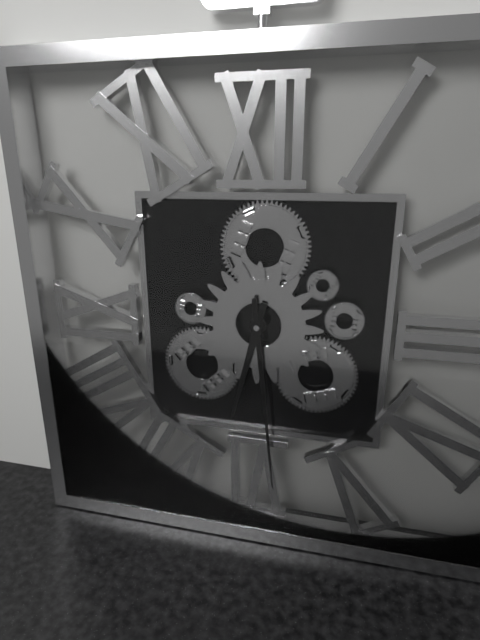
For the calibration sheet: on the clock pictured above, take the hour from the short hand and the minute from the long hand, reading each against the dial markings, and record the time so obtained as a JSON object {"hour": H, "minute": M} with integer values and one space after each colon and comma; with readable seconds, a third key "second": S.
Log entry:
{"hour": 6, "minute": 29}
